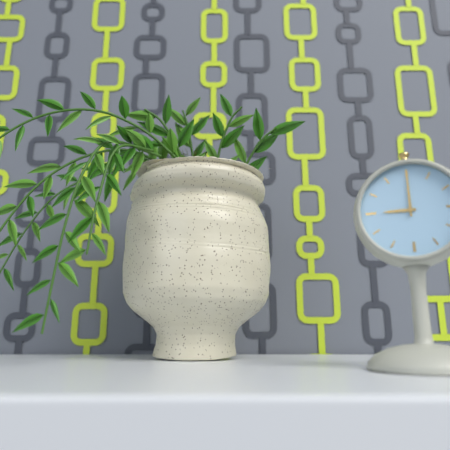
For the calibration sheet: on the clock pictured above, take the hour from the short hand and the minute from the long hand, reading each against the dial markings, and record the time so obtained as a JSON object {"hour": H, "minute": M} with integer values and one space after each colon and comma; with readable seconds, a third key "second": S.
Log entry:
{"hour": 9, "minute": 0}
